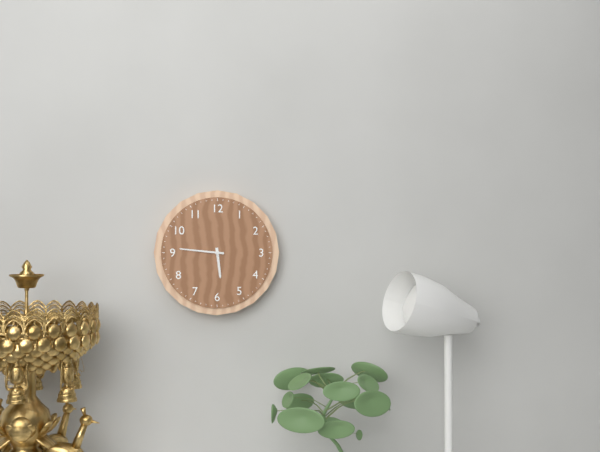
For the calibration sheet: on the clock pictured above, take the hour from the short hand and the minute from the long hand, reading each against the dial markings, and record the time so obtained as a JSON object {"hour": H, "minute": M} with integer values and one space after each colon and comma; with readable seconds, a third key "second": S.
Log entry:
{"hour": 5, "minute": 46}
